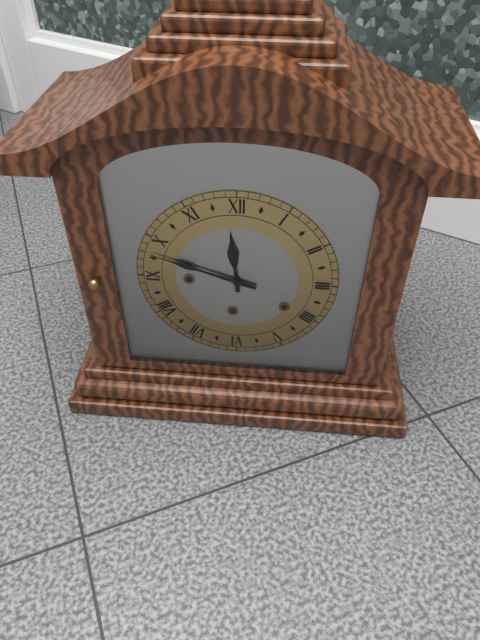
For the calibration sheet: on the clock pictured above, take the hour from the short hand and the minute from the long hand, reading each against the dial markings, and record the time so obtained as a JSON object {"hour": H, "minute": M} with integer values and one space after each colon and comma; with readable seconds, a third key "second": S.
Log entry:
{"hour": 11, "minute": 48}
